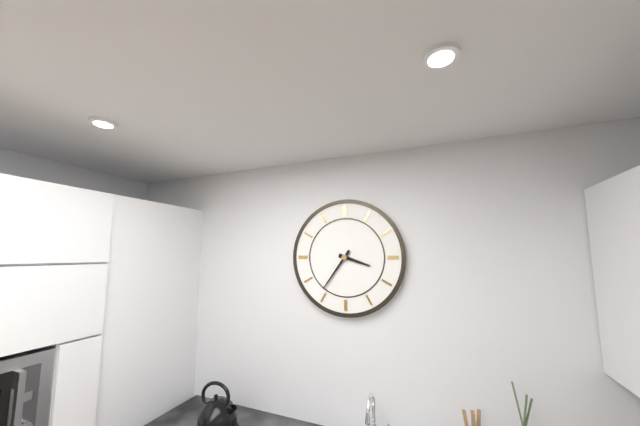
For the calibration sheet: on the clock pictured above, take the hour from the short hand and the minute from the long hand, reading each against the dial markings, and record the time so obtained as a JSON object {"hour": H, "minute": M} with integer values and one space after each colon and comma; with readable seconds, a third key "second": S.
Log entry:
{"hour": 3, "minute": 36}
